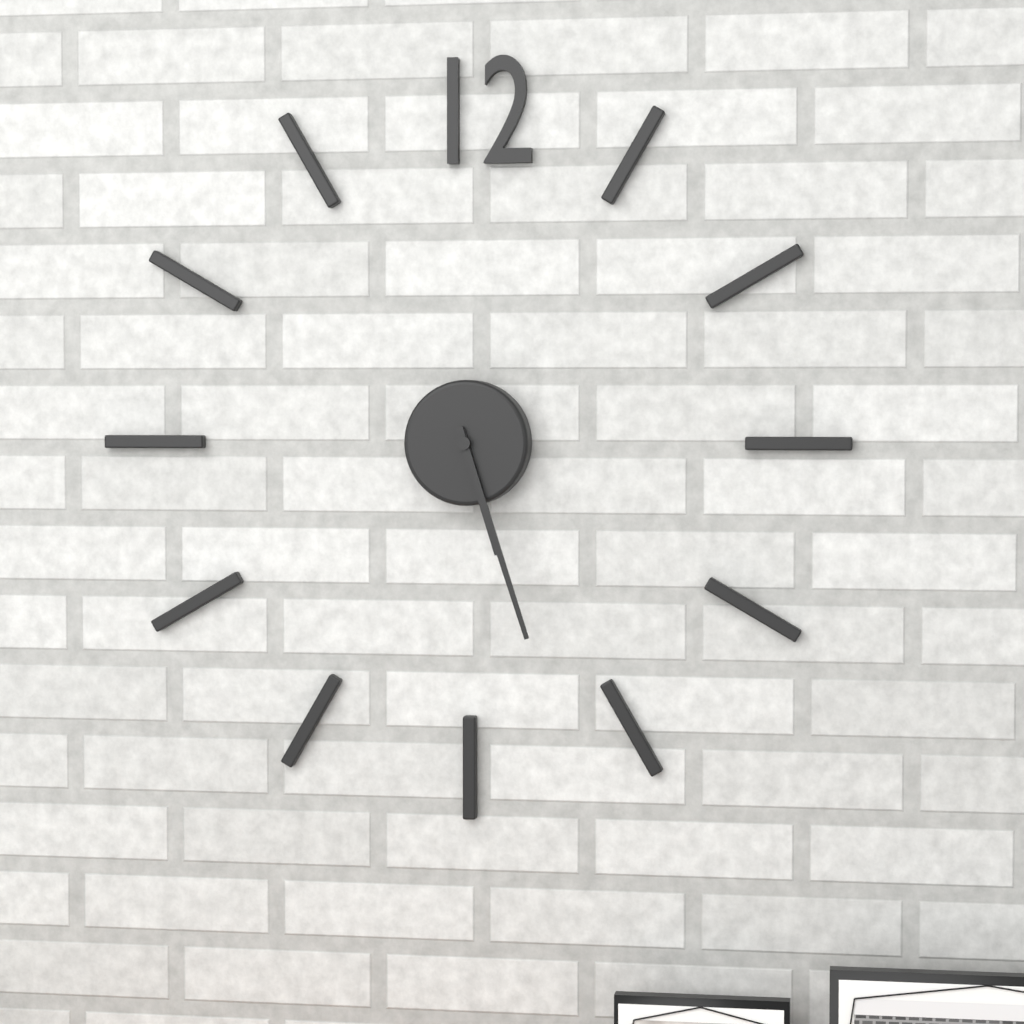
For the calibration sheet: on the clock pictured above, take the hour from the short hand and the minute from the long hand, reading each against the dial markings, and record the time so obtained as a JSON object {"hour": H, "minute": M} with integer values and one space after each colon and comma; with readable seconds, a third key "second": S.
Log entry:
{"hour": 5, "minute": 27}
